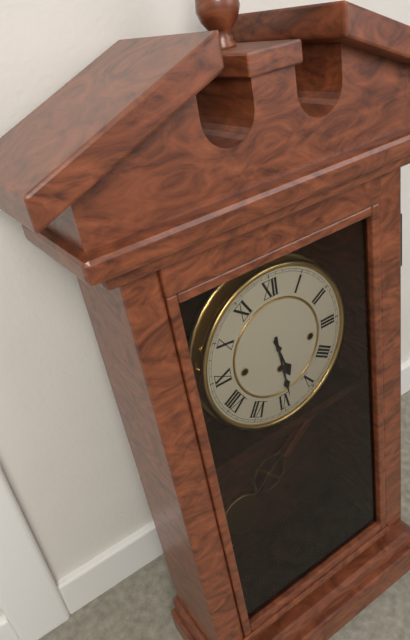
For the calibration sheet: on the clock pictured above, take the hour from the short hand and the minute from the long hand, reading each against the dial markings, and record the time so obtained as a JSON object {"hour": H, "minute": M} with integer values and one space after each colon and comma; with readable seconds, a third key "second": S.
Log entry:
{"hour": 5, "minute": 29}
